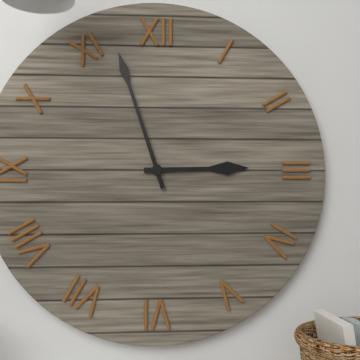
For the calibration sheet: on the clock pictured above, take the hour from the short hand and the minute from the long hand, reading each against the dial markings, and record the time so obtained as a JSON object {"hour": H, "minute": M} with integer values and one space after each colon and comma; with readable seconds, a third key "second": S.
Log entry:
{"hour": 2, "minute": 57}
